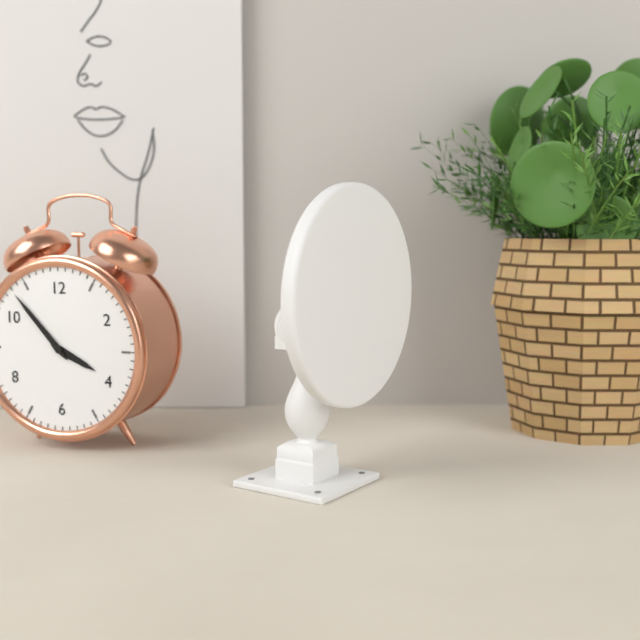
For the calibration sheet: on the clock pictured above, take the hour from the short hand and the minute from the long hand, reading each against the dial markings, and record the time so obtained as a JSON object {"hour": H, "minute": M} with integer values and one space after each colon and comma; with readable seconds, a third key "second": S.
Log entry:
{"hour": 3, "minute": 53}
